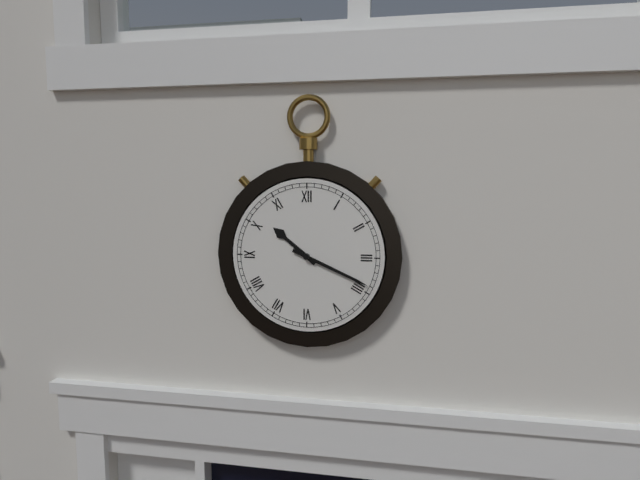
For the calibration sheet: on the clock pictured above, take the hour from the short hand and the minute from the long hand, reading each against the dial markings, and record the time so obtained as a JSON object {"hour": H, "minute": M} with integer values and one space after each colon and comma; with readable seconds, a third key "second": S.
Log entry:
{"hour": 10, "minute": 19}
